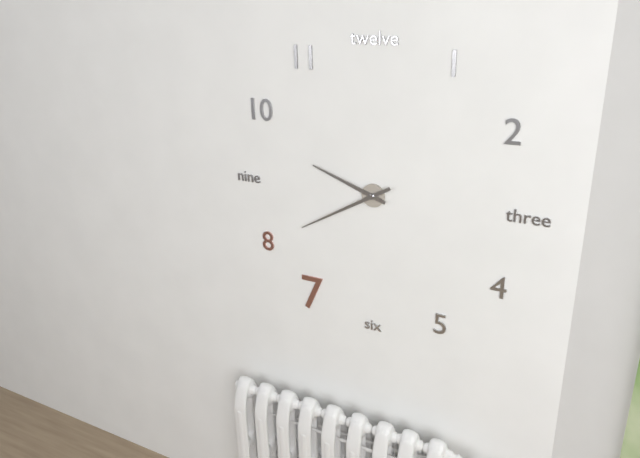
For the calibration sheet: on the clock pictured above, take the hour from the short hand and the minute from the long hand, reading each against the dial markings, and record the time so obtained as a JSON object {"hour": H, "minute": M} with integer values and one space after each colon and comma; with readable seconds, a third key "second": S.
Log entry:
{"hour": 9, "minute": 40}
